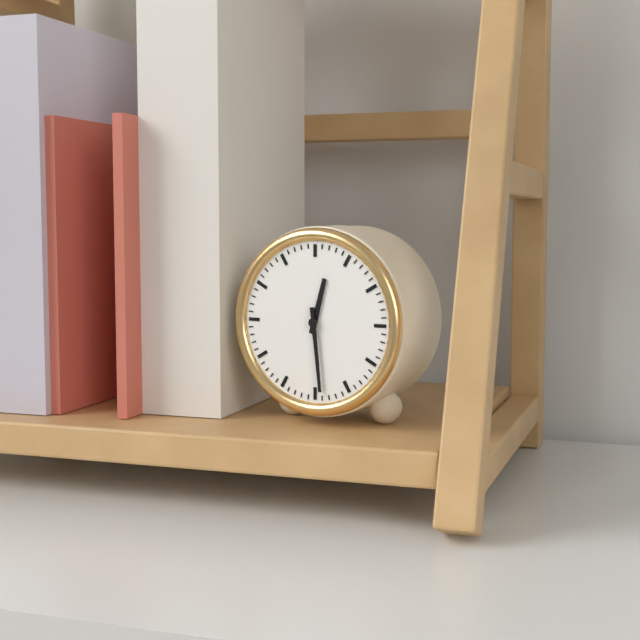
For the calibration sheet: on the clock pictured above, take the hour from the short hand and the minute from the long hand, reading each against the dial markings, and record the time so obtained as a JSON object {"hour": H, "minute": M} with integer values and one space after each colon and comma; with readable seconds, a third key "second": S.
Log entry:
{"hour": 12, "minute": 29}
